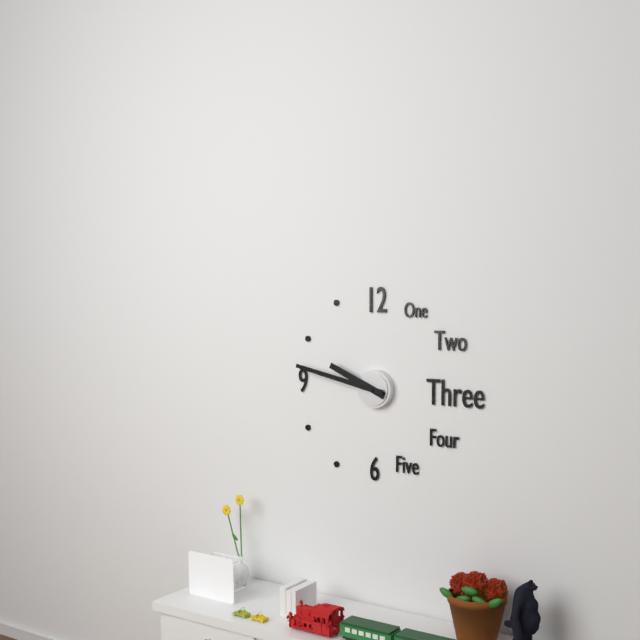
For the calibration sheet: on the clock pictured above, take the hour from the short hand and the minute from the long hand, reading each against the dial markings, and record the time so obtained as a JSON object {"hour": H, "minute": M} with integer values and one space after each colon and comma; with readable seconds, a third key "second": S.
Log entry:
{"hour": 9, "minute": 47}
